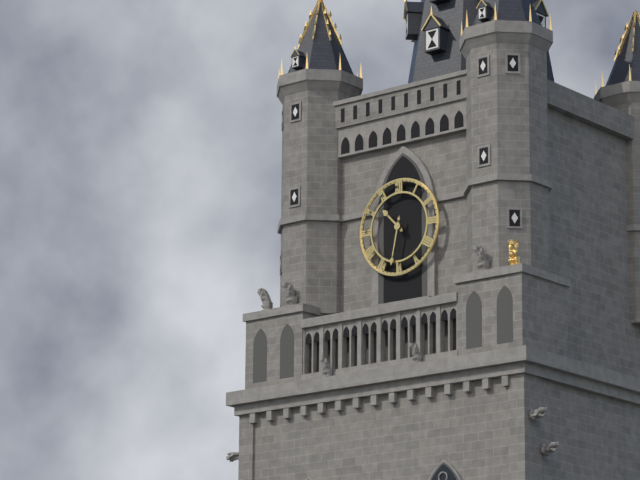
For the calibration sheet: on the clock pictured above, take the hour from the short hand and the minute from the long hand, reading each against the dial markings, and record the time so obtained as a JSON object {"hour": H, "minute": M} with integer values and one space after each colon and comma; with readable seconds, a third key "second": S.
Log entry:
{"hour": 10, "minute": 32}
